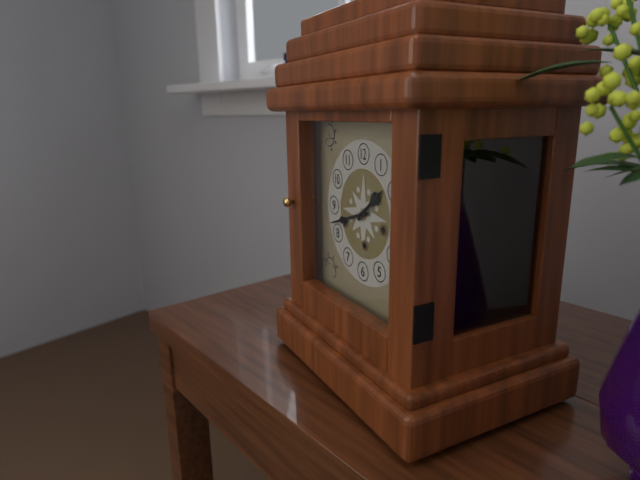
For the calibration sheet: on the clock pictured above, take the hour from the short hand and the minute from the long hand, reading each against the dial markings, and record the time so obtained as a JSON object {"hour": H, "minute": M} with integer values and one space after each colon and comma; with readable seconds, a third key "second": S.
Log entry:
{"hour": 1, "minute": 42}
